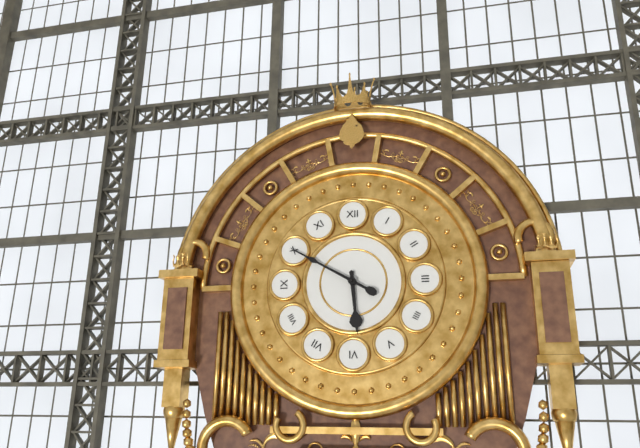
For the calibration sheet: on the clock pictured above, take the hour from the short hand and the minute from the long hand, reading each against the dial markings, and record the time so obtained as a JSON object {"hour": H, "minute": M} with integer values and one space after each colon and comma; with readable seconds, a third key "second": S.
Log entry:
{"hour": 5, "minute": 50}
